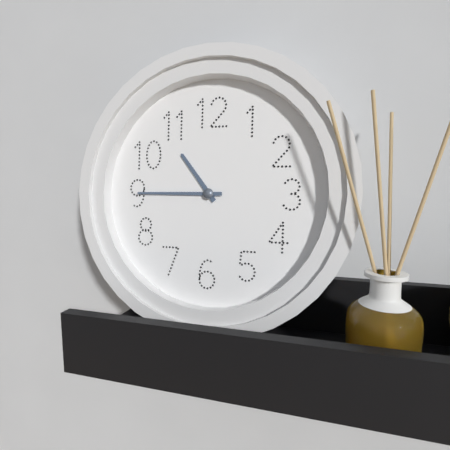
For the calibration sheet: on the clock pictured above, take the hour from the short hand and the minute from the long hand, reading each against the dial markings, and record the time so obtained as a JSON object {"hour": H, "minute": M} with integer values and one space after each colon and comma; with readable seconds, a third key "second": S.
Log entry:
{"hour": 10, "minute": 45}
